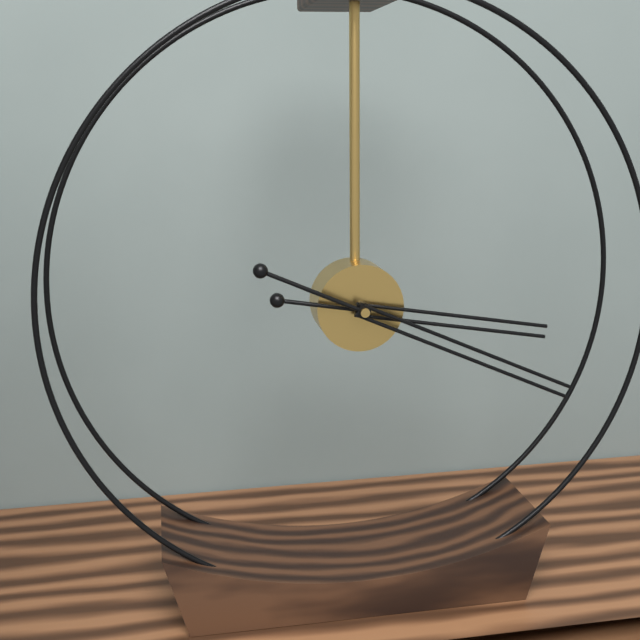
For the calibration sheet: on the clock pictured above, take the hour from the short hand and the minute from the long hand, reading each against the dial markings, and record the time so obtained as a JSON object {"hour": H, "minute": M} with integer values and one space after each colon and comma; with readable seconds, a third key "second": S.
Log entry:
{"hour": 3, "minute": 19}
